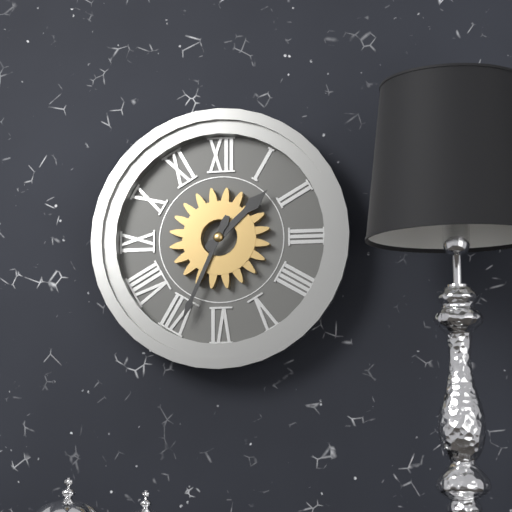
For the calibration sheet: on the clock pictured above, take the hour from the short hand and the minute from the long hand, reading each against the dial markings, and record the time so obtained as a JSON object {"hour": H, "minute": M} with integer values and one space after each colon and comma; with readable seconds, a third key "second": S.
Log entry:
{"hour": 1, "minute": 34}
